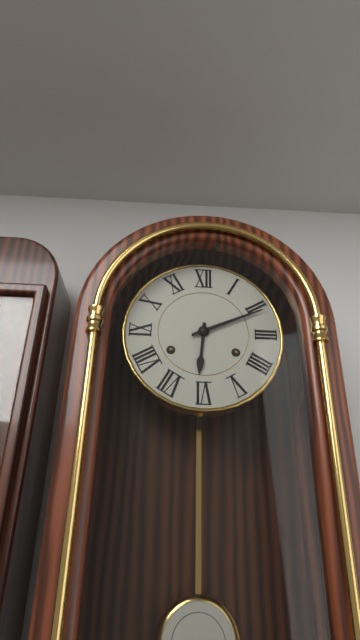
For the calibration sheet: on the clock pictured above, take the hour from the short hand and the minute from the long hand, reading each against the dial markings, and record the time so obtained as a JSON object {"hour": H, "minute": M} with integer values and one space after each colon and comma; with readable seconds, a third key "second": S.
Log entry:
{"hour": 6, "minute": 11}
